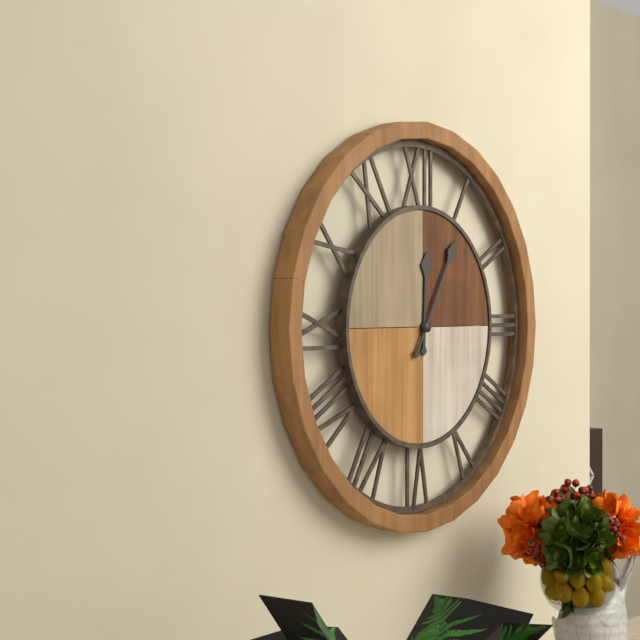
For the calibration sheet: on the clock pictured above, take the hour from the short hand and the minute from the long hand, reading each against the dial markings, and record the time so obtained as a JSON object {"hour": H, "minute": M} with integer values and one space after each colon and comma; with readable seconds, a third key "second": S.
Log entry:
{"hour": 12, "minute": 5}
